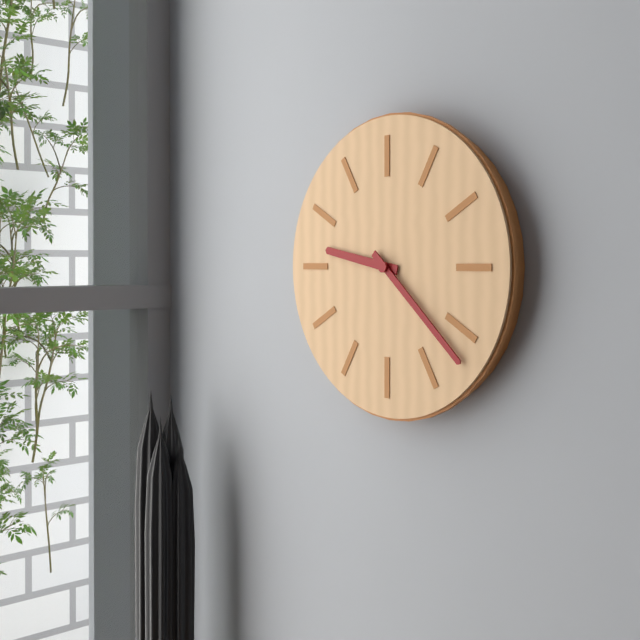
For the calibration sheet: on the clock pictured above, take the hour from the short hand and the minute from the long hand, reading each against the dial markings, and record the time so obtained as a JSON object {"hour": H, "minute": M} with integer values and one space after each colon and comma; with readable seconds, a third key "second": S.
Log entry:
{"hour": 9, "minute": 22}
